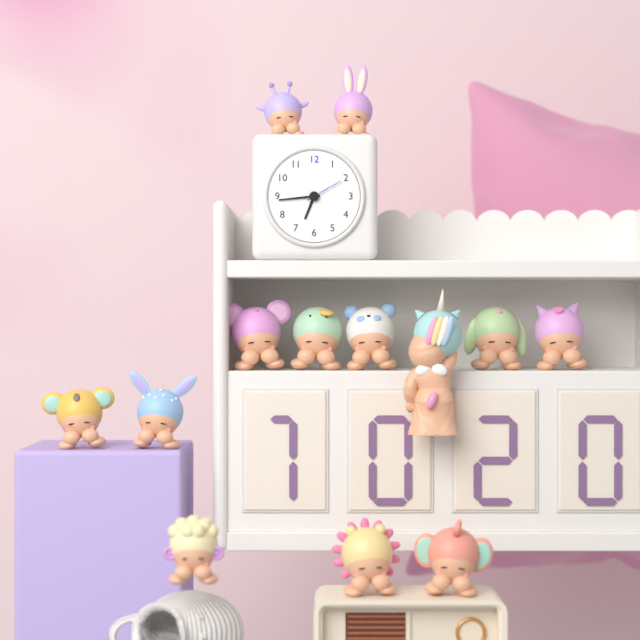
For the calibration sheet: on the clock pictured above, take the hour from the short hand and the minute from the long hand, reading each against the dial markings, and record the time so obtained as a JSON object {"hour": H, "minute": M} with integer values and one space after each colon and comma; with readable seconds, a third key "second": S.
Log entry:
{"hour": 6, "minute": 44}
